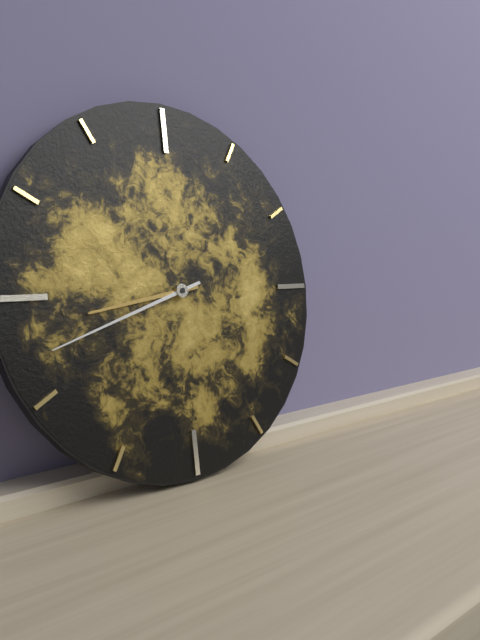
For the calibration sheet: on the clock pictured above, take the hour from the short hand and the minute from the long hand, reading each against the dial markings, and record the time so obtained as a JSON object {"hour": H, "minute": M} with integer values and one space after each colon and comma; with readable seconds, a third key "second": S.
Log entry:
{"hour": 8, "minute": 42}
